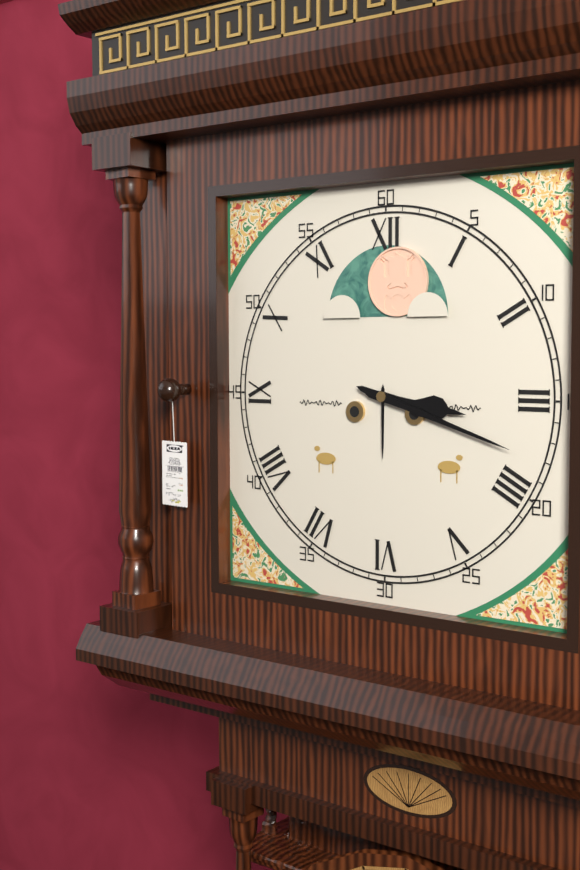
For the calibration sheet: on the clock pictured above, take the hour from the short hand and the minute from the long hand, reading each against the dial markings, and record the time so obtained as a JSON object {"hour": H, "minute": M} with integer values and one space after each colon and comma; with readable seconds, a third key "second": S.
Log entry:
{"hour": 3, "minute": 18}
